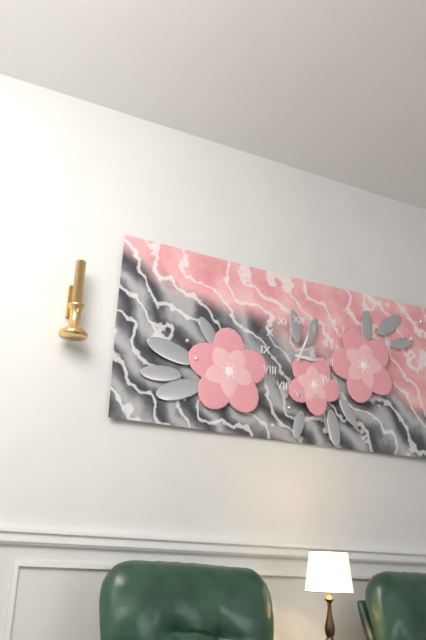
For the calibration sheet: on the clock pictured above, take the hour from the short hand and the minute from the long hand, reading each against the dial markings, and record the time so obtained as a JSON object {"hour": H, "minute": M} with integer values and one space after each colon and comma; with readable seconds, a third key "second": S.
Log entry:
{"hour": 3, "minute": 4}
